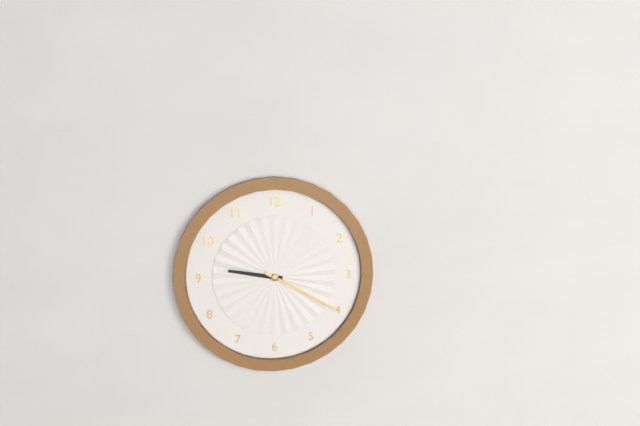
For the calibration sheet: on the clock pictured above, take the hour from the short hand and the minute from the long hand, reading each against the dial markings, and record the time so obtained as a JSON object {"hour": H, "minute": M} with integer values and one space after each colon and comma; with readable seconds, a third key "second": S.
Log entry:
{"hour": 9, "minute": 20}
